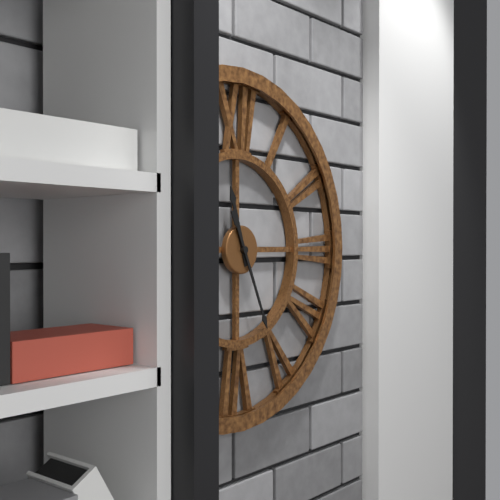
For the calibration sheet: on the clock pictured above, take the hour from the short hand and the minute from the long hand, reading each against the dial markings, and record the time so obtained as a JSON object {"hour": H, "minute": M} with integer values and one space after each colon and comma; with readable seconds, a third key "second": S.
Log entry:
{"hour": 11, "minute": 26}
